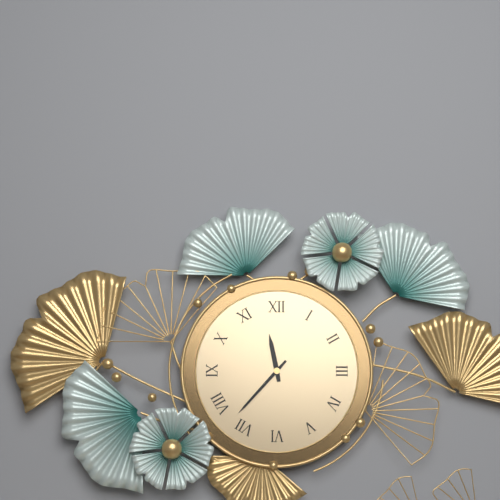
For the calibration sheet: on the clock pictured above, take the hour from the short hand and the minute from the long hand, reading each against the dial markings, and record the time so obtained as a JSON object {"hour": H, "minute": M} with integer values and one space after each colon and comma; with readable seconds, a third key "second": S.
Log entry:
{"hour": 11, "minute": 37}
